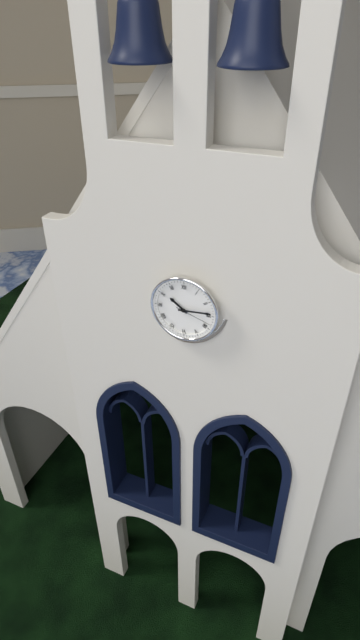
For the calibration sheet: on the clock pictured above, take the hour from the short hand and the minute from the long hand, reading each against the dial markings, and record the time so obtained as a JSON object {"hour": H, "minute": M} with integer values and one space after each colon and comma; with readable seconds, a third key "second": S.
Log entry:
{"hour": 10, "minute": 14}
